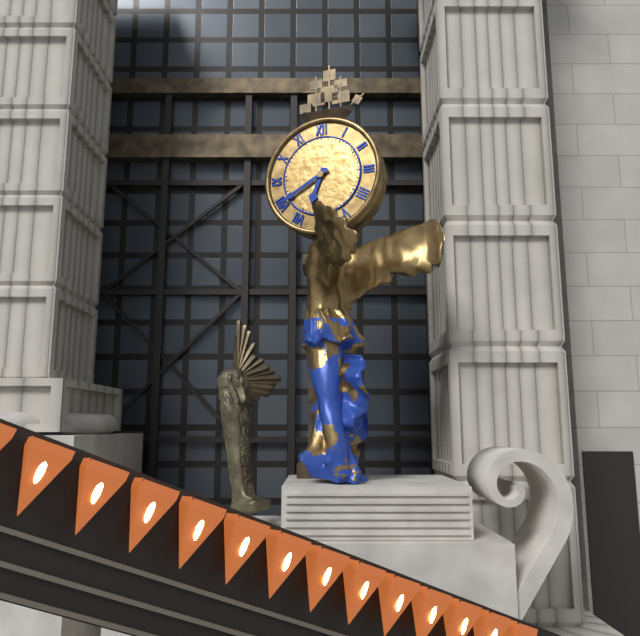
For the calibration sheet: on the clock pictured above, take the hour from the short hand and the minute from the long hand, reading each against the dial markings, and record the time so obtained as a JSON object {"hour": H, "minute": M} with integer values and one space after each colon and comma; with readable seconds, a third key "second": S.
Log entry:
{"hour": 6, "minute": 40}
